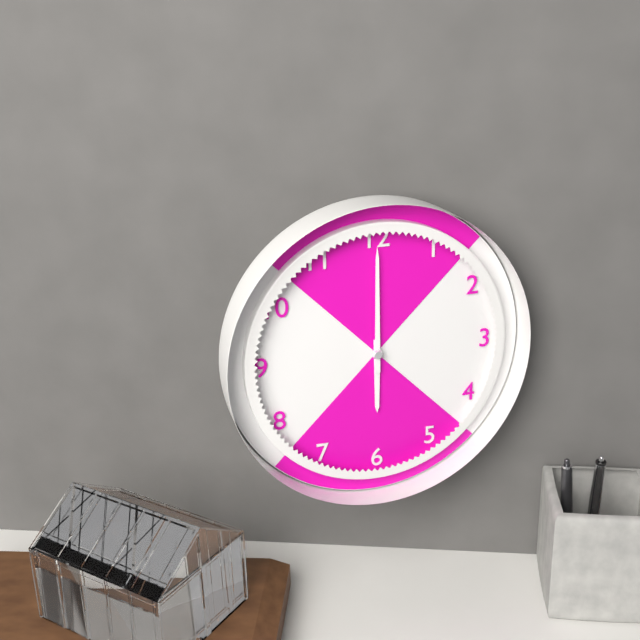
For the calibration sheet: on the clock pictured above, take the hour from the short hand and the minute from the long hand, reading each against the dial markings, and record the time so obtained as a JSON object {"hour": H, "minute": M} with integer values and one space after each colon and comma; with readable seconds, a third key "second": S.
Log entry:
{"hour": 6, "minute": 0}
